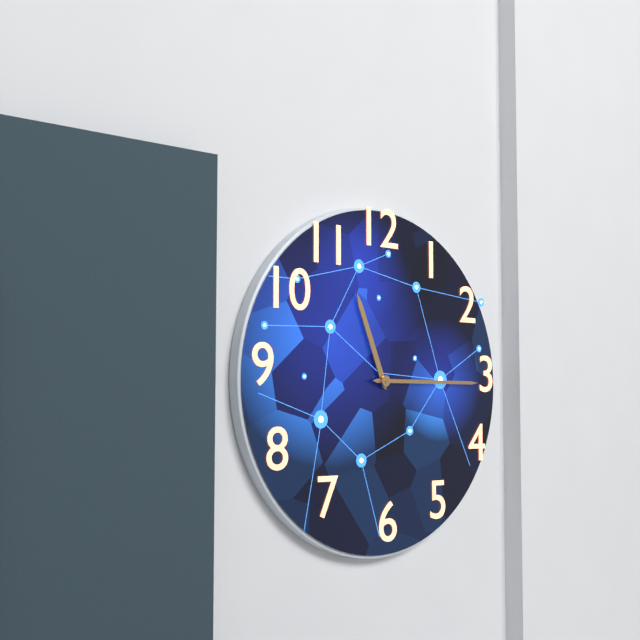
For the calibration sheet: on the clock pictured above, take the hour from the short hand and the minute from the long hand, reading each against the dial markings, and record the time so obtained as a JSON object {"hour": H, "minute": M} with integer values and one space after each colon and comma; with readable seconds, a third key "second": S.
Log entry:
{"hour": 11, "minute": 15}
